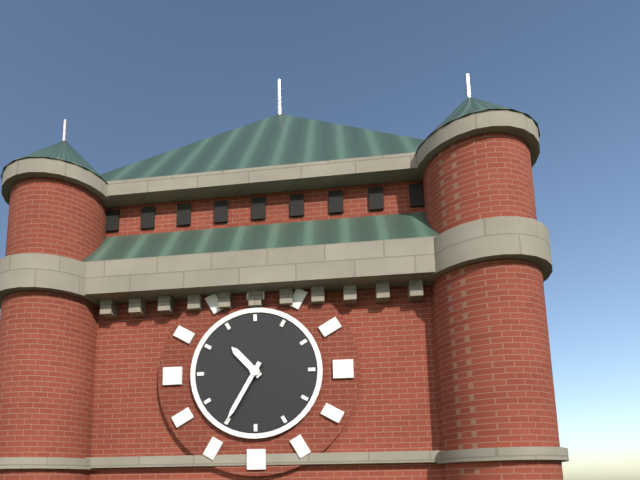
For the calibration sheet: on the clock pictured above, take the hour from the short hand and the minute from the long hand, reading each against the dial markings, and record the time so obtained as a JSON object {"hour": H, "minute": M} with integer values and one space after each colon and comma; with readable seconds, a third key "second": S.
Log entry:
{"hour": 10, "minute": 35}
